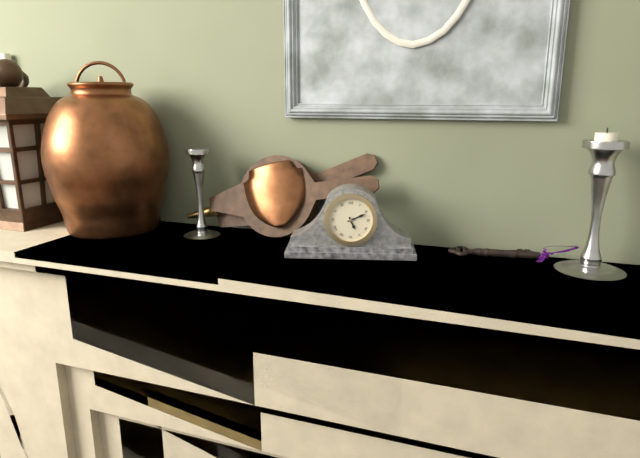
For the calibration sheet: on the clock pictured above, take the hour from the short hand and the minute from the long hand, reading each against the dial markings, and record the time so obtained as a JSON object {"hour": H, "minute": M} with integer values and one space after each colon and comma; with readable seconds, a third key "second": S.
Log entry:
{"hour": 5, "minute": 11}
